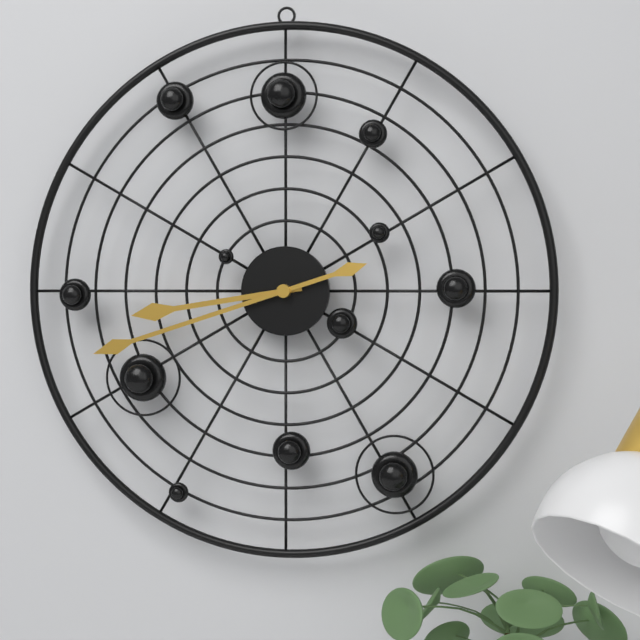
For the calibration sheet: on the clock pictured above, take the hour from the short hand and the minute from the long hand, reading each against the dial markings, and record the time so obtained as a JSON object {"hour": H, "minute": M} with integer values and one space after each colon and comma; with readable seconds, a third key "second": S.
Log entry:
{"hour": 8, "minute": 42}
